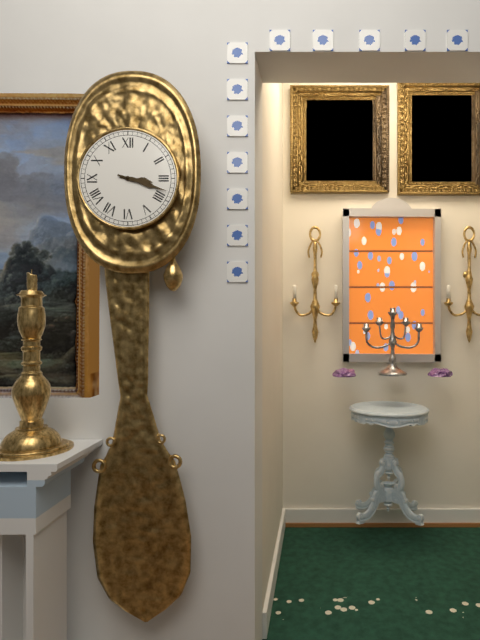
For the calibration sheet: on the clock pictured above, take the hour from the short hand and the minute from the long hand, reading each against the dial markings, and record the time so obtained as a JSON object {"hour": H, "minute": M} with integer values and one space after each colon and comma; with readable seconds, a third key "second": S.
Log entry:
{"hour": 3, "minute": 18}
